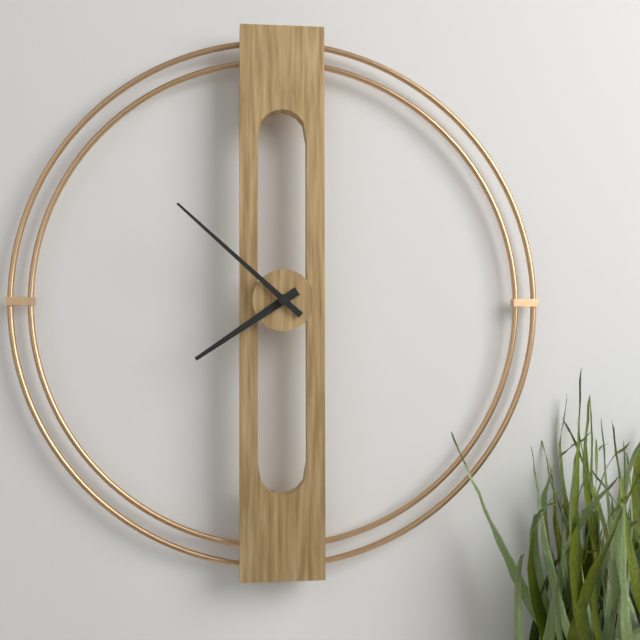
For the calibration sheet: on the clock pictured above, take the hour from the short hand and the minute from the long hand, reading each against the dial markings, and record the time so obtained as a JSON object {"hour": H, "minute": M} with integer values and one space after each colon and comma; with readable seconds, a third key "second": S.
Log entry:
{"hour": 7, "minute": 52}
